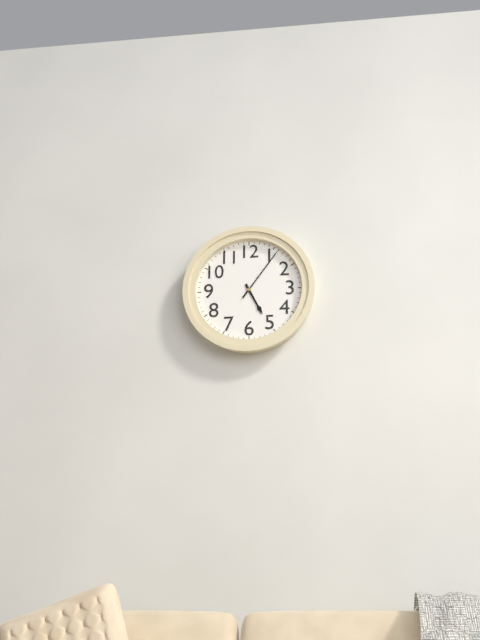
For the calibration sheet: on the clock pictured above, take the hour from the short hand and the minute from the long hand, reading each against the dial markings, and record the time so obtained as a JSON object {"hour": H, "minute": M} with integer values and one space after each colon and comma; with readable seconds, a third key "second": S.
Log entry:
{"hour": 5, "minute": 6}
